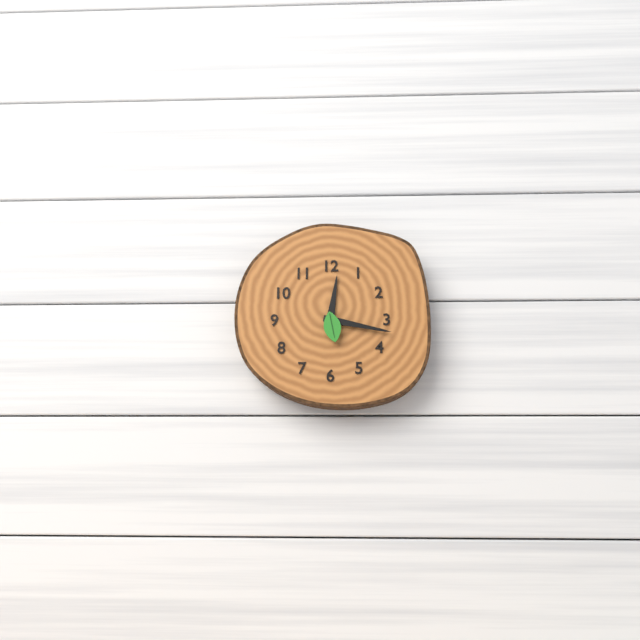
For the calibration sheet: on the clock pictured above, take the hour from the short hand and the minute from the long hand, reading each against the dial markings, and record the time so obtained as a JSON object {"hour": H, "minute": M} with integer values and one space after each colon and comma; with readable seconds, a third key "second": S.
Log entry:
{"hour": 12, "minute": 17}
